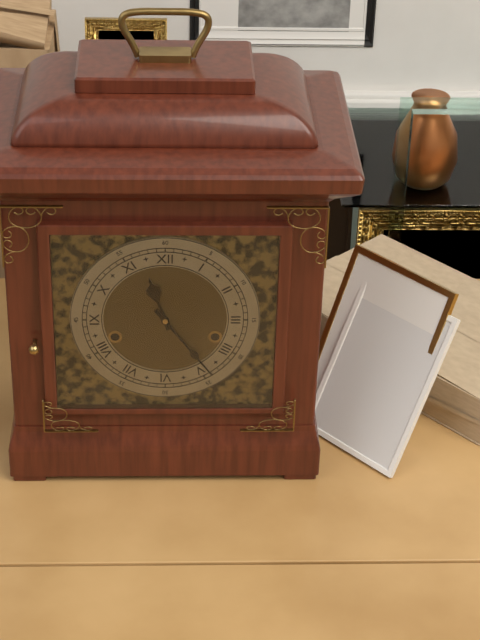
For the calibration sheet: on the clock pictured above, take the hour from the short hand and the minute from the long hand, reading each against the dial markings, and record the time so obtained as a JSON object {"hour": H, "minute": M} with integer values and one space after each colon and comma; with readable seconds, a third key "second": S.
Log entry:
{"hour": 11, "minute": 24}
